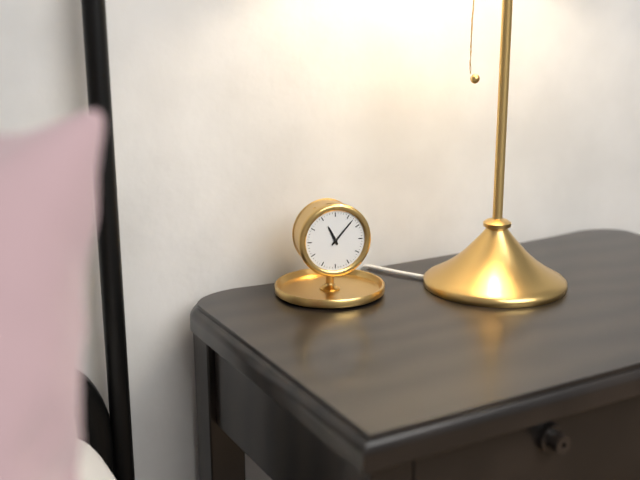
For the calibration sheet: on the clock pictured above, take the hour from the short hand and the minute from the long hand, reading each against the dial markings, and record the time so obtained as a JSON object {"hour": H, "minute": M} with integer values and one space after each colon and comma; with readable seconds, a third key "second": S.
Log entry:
{"hour": 11, "minute": 7}
